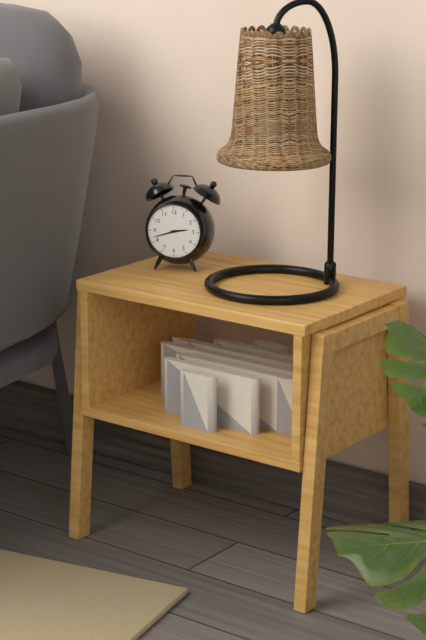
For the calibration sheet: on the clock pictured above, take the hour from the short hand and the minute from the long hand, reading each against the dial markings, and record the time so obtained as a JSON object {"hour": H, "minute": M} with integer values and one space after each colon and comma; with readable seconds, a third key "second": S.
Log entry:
{"hour": 2, "minute": 42}
